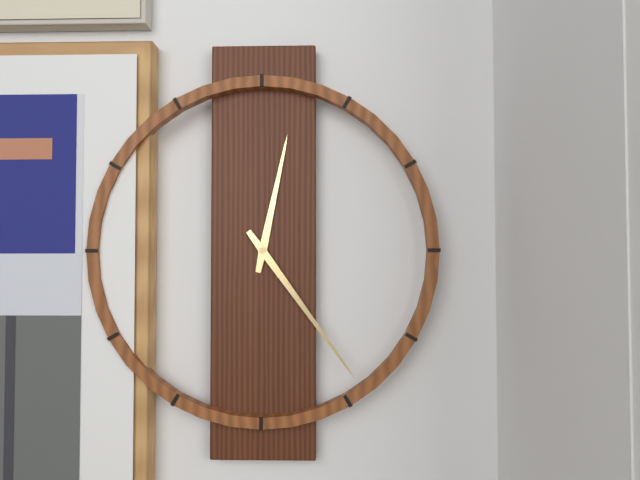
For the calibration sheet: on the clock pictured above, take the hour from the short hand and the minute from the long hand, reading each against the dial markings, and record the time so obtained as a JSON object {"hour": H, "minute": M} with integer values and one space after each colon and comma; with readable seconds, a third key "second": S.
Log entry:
{"hour": 12, "minute": 24}
